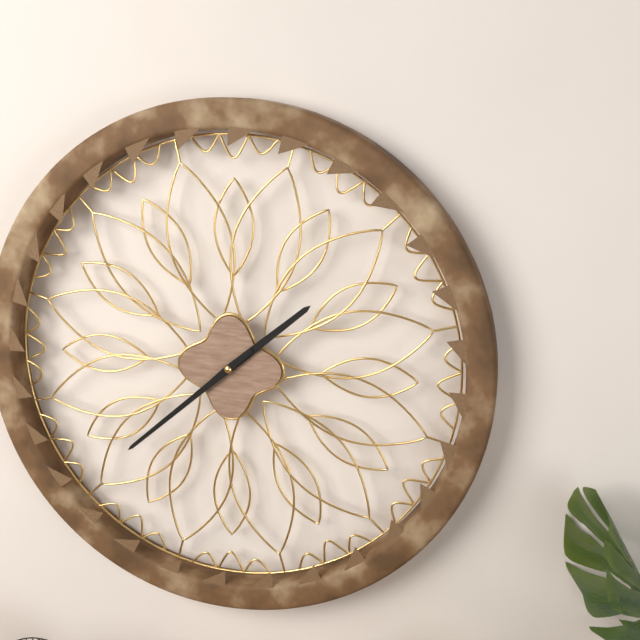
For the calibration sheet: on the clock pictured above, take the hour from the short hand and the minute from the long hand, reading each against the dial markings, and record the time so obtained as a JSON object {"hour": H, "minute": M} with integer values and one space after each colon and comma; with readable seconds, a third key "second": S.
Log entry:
{"hour": 1, "minute": 38}
